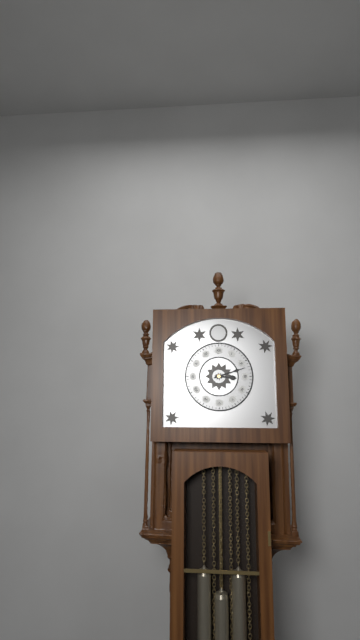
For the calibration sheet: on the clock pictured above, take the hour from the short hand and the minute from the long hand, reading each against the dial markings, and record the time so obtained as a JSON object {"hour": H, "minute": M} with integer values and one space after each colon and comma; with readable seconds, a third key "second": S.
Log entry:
{"hour": 3, "minute": 12}
